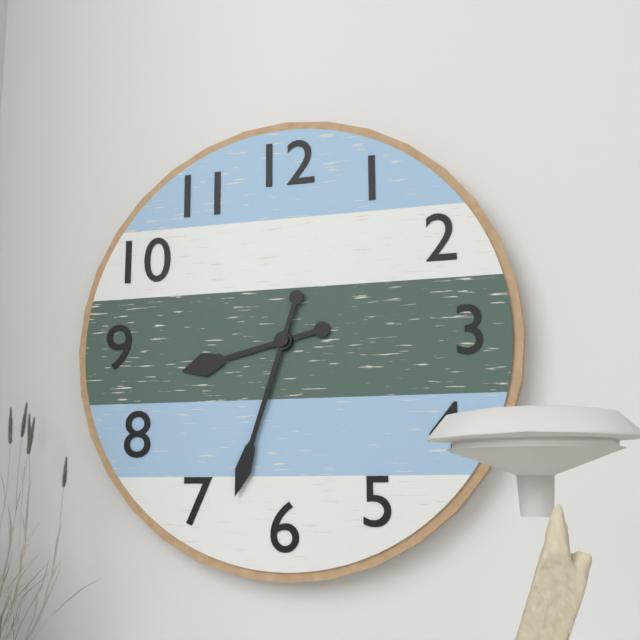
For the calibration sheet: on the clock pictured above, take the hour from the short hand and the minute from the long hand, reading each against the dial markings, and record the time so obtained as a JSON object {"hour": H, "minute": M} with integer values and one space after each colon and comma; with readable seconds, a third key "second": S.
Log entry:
{"hour": 8, "minute": 33}
